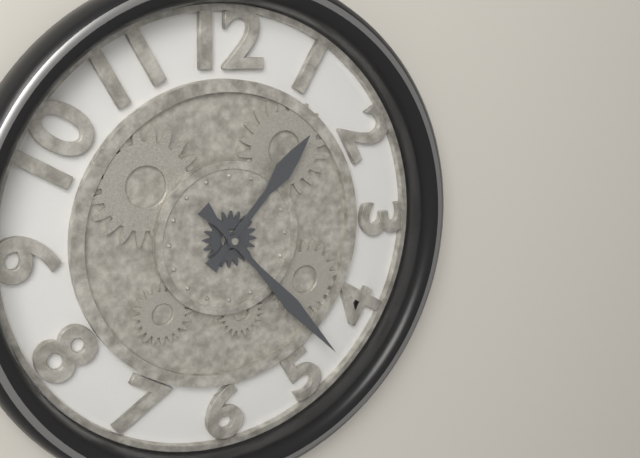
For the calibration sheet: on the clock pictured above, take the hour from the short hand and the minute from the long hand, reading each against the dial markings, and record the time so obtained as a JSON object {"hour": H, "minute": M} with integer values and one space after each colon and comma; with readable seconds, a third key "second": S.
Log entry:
{"hour": 1, "minute": 23}
